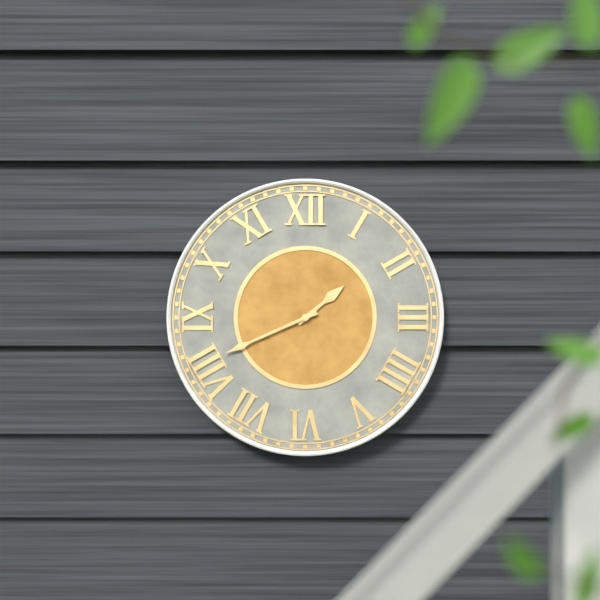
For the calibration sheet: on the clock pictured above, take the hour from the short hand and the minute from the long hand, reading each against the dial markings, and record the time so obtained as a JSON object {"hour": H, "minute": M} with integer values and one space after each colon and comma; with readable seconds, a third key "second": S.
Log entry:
{"hour": 1, "minute": 41}
